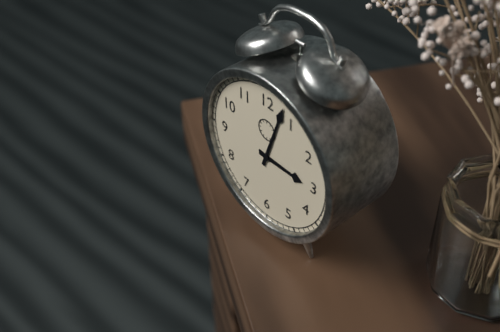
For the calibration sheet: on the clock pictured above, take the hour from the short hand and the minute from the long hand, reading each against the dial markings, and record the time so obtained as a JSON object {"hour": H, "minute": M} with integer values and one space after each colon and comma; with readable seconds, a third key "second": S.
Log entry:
{"hour": 3, "minute": 3}
